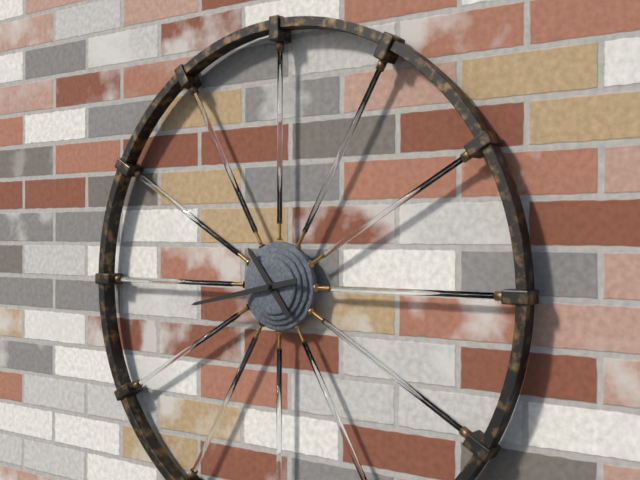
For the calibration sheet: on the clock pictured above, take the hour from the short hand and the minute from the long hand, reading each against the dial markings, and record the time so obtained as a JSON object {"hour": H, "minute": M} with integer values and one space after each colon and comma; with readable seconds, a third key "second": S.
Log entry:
{"hour": 10, "minute": 43}
